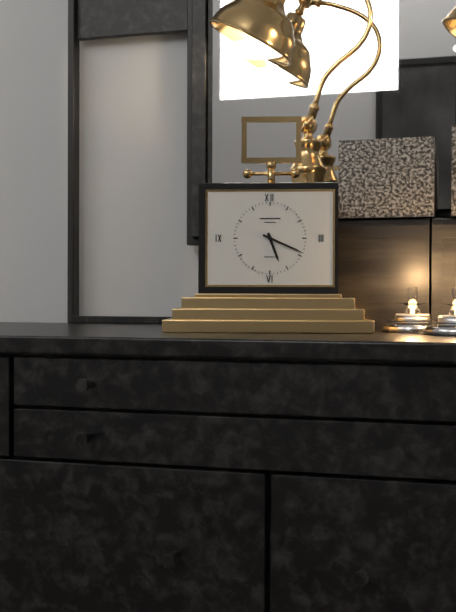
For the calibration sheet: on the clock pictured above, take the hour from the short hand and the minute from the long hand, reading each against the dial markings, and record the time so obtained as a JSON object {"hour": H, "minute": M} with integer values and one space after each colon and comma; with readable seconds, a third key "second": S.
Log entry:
{"hour": 5, "minute": 19}
